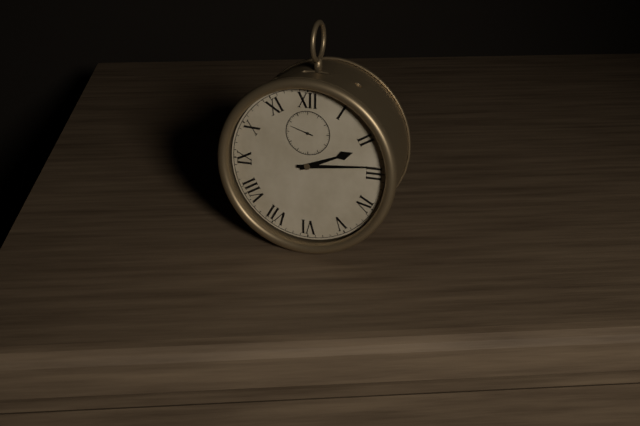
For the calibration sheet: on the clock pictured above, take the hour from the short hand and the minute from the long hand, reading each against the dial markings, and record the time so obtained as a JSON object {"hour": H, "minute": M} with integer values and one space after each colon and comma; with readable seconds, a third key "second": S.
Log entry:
{"hour": 2, "minute": 14}
